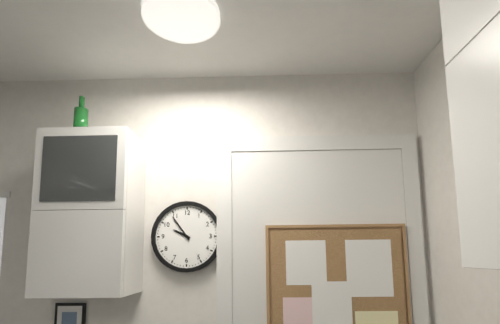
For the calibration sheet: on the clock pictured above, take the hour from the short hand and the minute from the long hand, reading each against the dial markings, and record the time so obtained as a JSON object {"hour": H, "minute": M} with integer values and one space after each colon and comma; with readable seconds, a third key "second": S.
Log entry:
{"hour": 9, "minute": 54}
